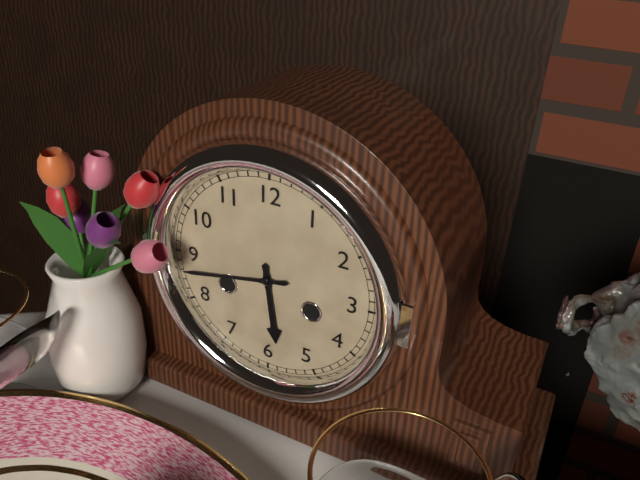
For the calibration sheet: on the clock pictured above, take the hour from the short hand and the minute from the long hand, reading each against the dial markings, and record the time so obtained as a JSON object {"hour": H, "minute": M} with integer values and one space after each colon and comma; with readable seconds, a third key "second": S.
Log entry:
{"hour": 5, "minute": 43}
